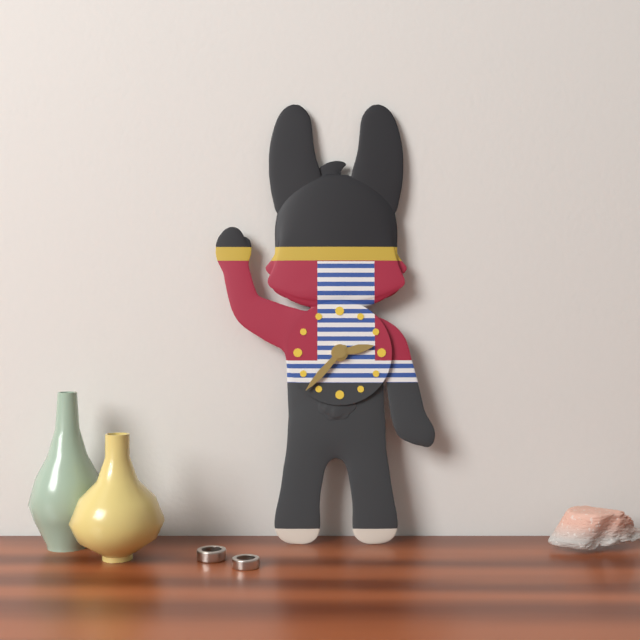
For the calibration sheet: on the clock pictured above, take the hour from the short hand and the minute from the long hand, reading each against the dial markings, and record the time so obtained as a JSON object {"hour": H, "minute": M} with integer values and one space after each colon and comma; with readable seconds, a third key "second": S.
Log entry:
{"hour": 2, "minute": 37}
